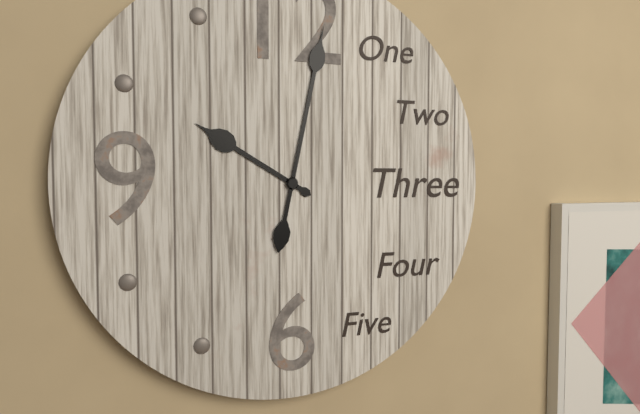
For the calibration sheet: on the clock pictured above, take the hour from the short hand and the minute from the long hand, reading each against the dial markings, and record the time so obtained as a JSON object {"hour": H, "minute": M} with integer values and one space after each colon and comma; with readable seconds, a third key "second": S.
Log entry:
{"hour": 10, "minute": 2}
